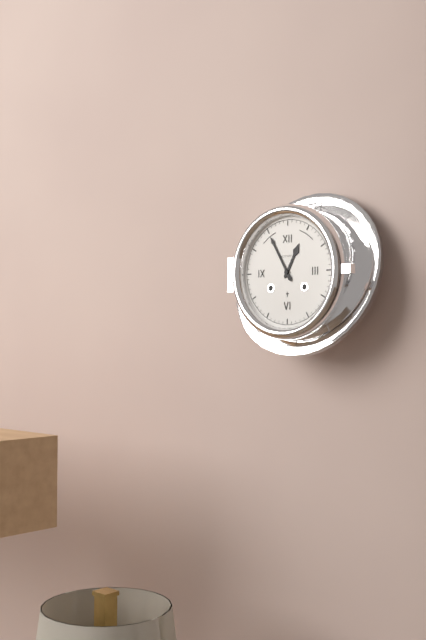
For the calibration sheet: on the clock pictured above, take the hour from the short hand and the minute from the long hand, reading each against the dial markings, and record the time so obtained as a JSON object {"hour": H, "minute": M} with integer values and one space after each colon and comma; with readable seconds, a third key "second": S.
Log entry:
{"hour": 12, "minute": 55}
